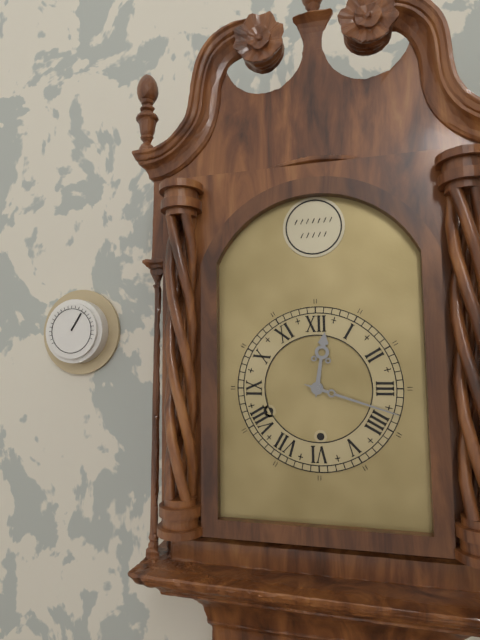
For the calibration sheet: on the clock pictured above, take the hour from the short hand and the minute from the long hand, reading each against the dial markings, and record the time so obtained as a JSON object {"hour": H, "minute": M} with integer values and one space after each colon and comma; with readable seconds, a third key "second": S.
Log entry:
{"hour": 12, "minute": 18}
